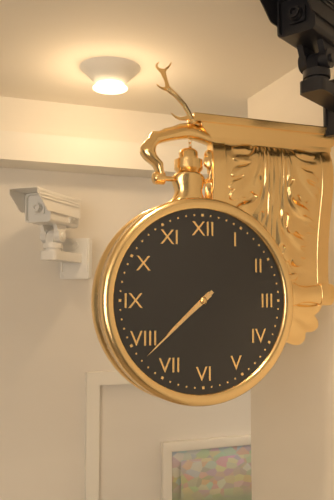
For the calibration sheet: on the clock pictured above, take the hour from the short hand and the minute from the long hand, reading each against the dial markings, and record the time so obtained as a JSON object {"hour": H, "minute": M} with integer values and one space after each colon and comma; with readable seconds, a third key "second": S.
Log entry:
{"hour": 7, "minute": 38}
